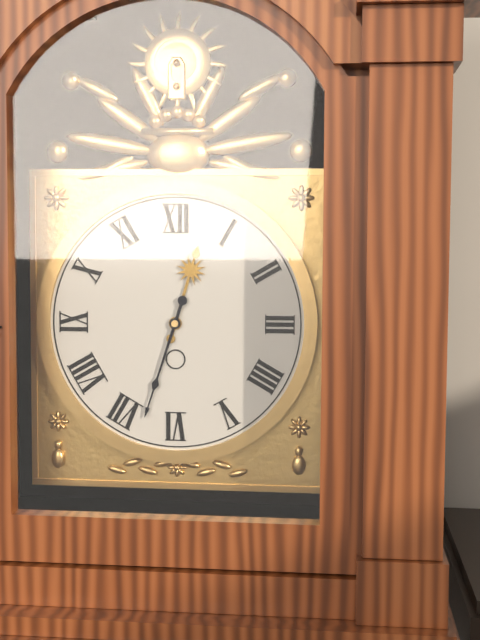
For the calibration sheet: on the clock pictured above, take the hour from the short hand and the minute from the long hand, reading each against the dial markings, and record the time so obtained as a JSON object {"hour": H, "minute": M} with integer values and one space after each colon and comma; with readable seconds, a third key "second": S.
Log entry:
{"hour": 12, "minute": 33}
